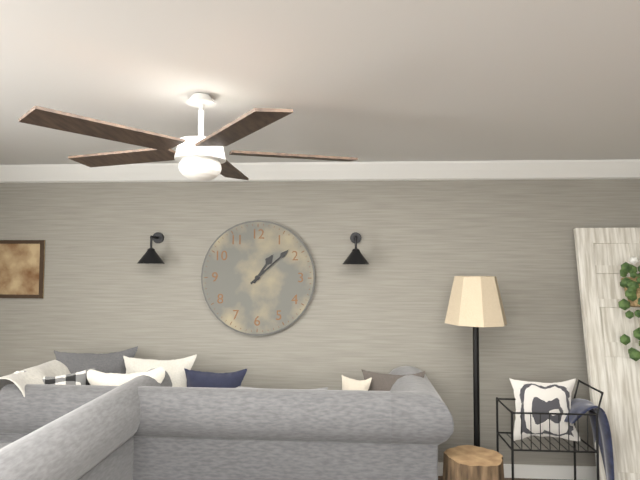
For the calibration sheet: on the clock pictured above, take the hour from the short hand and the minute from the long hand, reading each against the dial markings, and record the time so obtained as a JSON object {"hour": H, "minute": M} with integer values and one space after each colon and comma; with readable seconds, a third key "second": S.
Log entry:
{"hour": 1, "minute": 8}
